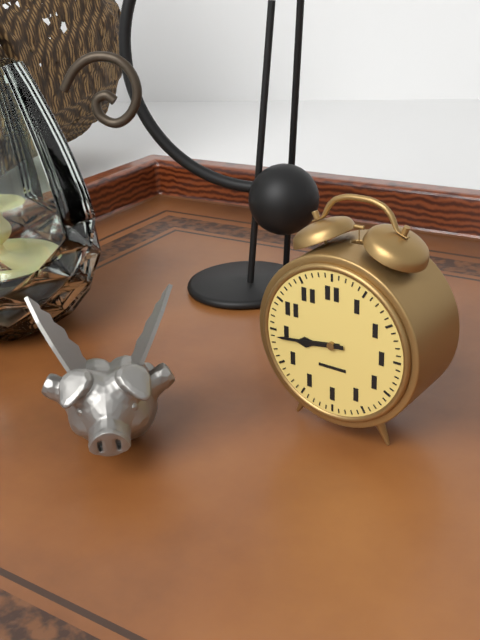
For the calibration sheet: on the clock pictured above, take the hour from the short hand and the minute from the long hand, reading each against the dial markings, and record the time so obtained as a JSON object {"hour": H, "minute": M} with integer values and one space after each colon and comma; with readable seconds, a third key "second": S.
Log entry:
{"hour": 8, "minute": 44}
